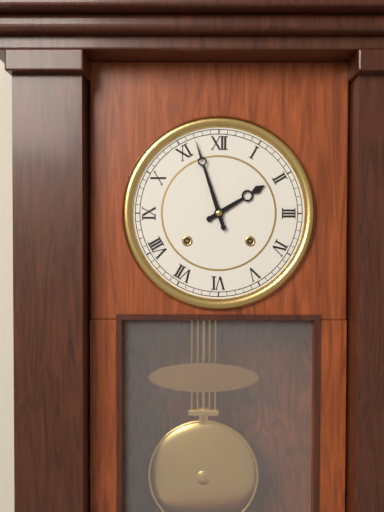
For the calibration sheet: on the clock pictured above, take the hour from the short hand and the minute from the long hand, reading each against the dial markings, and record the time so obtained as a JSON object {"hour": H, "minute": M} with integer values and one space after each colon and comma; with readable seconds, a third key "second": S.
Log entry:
{"hour": 1, "minute": 57}
